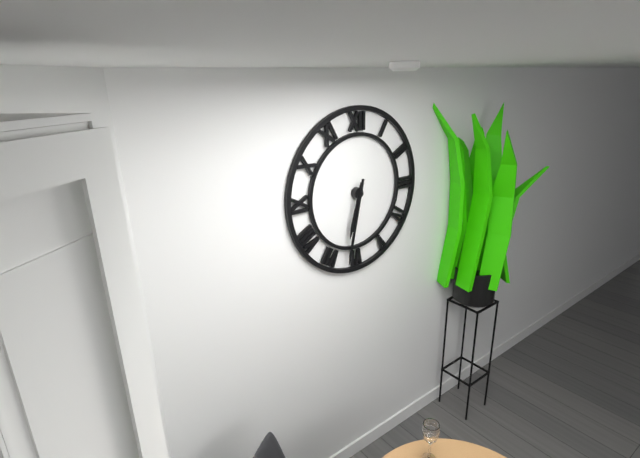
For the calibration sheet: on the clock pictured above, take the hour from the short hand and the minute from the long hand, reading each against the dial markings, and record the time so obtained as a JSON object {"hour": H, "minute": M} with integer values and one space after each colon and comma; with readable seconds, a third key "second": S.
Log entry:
{"hour": 6, "minute": 32}
